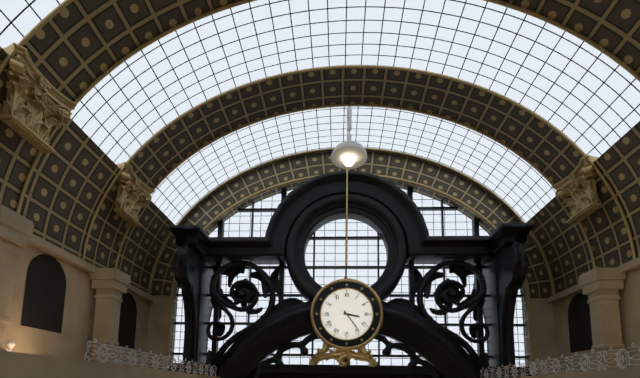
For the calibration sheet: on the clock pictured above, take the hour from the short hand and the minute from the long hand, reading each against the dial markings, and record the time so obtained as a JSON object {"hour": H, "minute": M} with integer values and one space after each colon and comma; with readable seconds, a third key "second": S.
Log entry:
{"hour": 3, "minute": 24}
